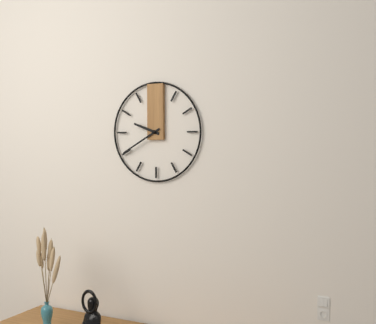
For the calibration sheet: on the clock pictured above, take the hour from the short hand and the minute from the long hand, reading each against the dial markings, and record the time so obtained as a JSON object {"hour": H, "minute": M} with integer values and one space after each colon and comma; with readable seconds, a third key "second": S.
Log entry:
{"hour": 9, "minute": 40}
